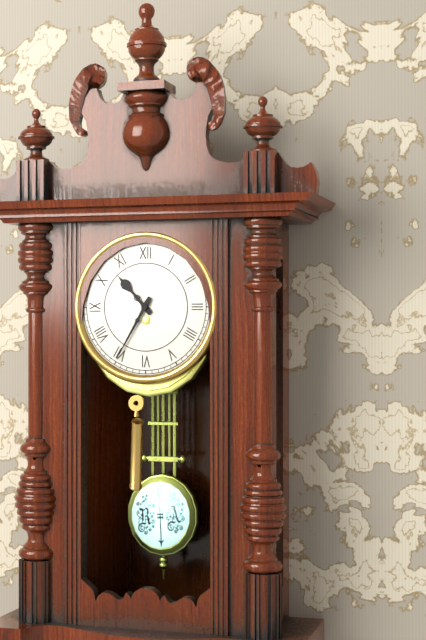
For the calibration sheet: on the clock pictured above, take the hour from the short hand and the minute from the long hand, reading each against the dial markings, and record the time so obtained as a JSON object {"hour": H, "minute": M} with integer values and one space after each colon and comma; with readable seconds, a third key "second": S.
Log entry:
{"hour": 10, "minute": 35}
